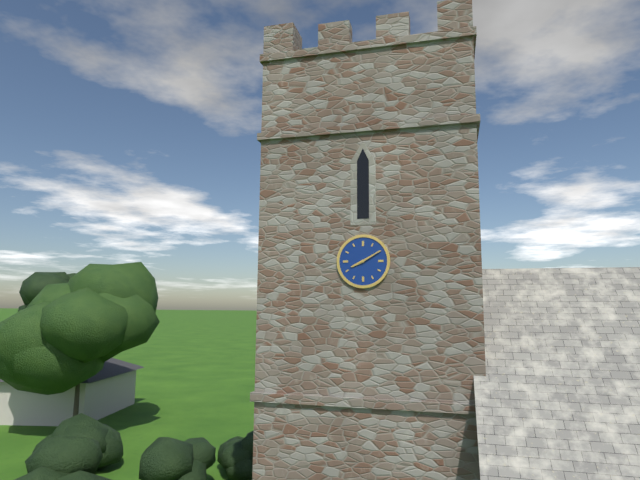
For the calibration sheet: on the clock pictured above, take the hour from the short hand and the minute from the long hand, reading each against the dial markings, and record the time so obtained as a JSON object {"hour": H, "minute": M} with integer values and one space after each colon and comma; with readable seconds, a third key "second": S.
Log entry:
{"hour": 8, "minute": 10}
